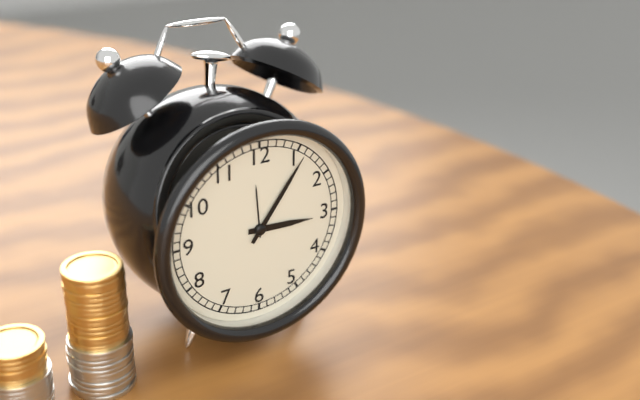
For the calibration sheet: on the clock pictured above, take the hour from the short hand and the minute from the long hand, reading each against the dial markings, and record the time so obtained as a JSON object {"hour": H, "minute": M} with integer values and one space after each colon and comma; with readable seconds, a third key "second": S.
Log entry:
{"hour": 3, "minute": 6}
